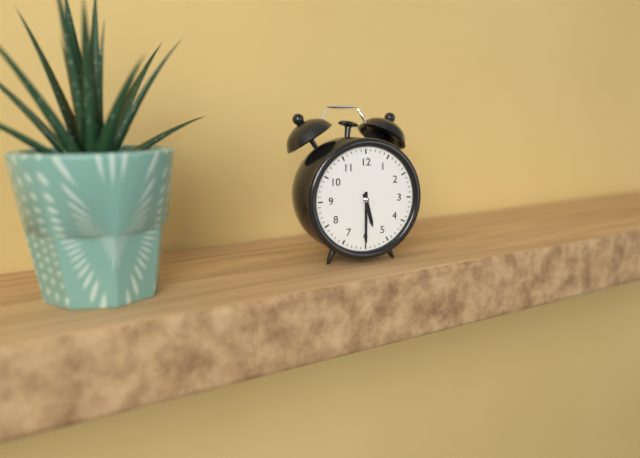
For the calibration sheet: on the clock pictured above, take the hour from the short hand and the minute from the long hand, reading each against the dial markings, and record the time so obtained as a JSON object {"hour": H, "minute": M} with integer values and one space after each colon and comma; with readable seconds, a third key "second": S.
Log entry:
{"hour": 5, "minute": 30}
